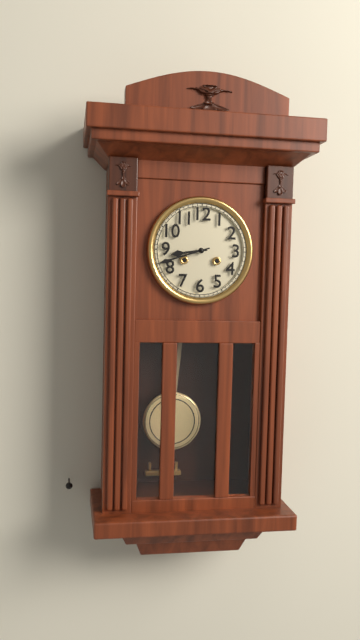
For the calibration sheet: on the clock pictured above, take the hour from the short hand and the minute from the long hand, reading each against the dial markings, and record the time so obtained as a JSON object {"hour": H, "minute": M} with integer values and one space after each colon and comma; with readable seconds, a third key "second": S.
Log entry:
{"hour": 8, "minute": 42}
